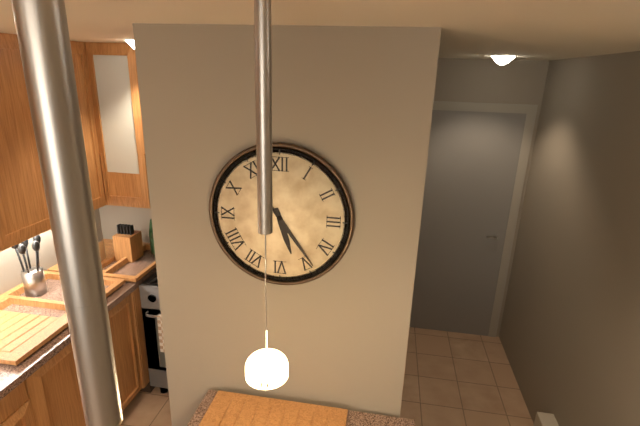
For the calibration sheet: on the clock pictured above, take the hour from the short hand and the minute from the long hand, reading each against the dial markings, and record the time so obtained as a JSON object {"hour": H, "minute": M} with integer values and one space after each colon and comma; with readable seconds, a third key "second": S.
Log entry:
{"hour": 5, "minute": 24}
